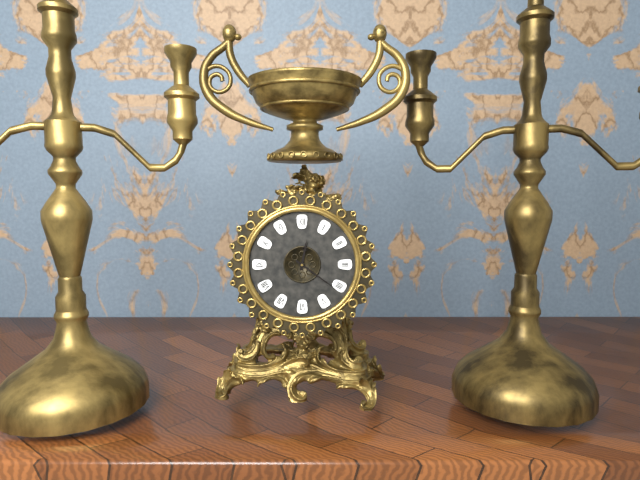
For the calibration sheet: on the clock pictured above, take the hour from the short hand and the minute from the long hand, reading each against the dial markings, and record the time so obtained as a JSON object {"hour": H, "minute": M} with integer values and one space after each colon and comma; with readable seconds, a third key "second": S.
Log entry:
{"hour": 12, "minute": 21}
